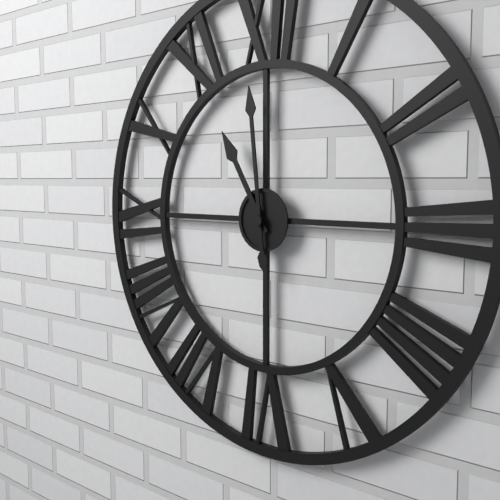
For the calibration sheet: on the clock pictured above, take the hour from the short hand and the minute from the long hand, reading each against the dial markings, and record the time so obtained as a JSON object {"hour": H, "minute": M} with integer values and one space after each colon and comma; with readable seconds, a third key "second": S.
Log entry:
{"hour": 10, "minute": 59}
